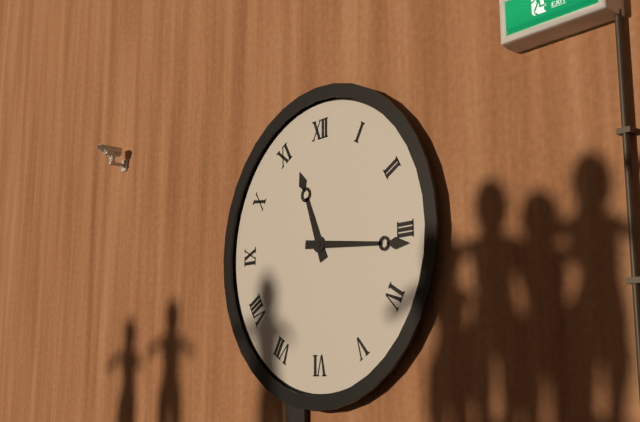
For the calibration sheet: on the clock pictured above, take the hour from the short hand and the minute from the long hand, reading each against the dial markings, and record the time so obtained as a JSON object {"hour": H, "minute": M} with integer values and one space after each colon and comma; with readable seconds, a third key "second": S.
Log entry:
{"hour": 11, "minute": 16}
